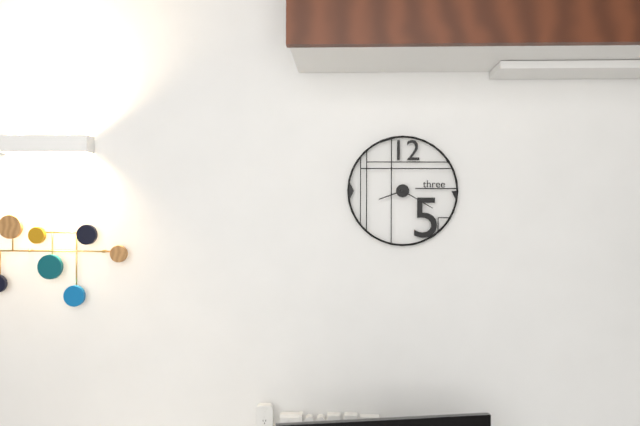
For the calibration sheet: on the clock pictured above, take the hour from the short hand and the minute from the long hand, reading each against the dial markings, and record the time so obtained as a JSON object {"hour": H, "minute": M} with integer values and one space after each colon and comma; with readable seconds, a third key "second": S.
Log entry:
{"hour": 8, "minute": 20}
